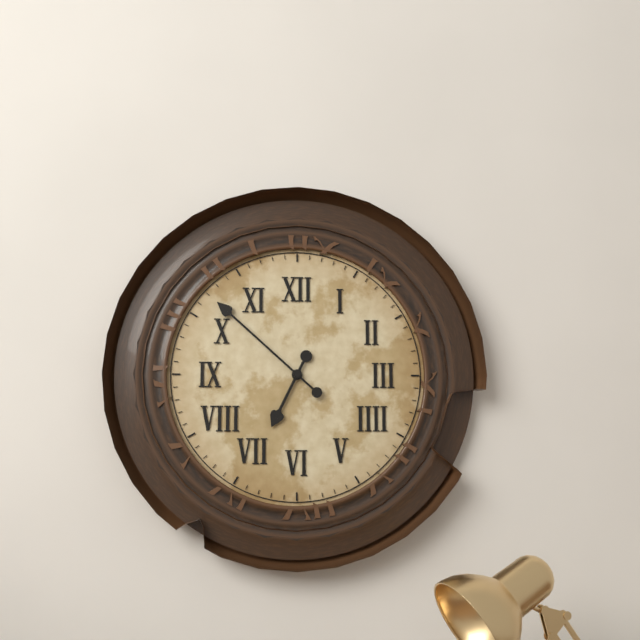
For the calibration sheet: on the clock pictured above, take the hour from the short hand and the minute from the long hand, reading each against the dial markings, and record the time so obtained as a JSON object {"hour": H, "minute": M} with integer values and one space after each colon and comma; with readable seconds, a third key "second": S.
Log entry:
{"hour": 6, "minute": 52}
